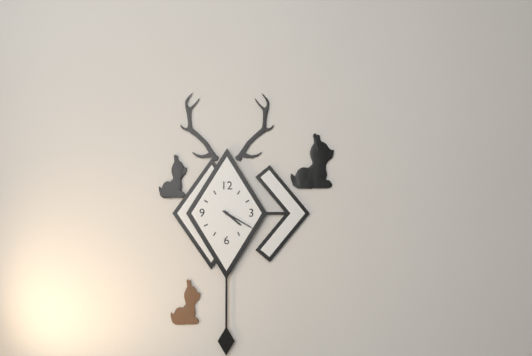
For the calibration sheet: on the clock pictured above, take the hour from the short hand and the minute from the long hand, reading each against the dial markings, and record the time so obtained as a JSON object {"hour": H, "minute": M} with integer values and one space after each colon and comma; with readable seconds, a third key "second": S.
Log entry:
{"hour": 4, "minute": 20}
